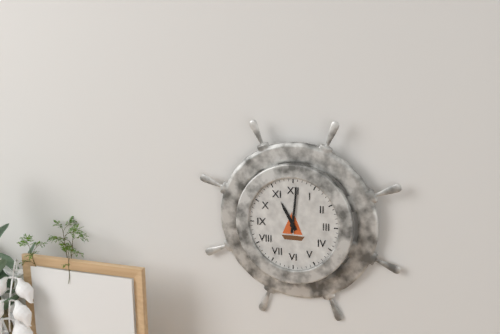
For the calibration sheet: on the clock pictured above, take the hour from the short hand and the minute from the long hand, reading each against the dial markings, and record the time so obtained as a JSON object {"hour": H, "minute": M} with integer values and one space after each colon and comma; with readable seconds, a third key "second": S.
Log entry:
{"hour": 11, "minute": 1}
